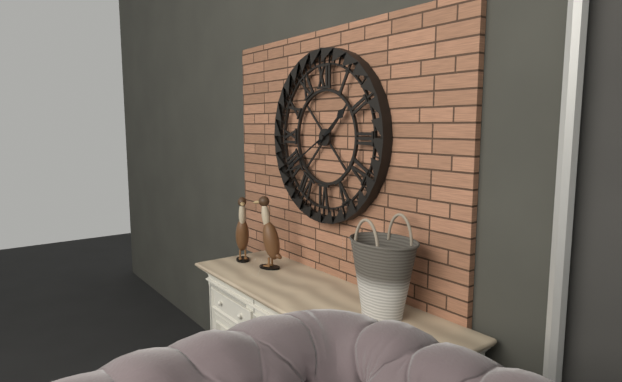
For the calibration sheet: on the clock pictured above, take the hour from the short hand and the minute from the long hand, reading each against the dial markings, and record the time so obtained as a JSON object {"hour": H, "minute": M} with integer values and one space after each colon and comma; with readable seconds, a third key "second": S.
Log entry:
{"hour": 1, "minute": 40}
